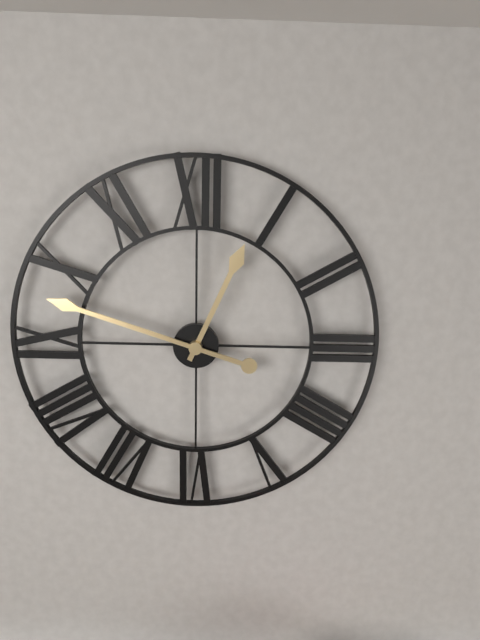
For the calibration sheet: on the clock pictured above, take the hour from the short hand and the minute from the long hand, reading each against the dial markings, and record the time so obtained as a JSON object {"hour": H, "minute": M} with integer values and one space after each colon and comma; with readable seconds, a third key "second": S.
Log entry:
{"hour": 12, "minute": 48}
